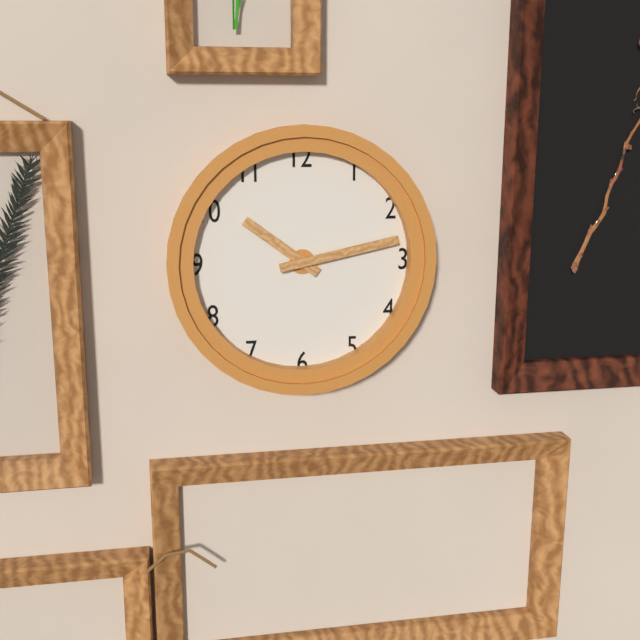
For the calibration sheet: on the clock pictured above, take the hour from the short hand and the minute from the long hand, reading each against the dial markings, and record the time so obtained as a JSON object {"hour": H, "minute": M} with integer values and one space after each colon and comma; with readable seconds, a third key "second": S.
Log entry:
{"hour": 10, "minute": 13}
